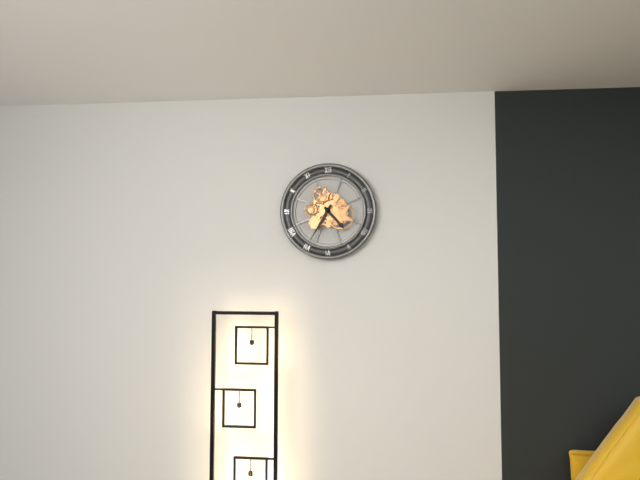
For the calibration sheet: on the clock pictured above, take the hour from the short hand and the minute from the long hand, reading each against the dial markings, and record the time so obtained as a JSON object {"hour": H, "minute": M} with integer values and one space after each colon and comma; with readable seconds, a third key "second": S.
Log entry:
{"hour": 4, "minute": 35}
